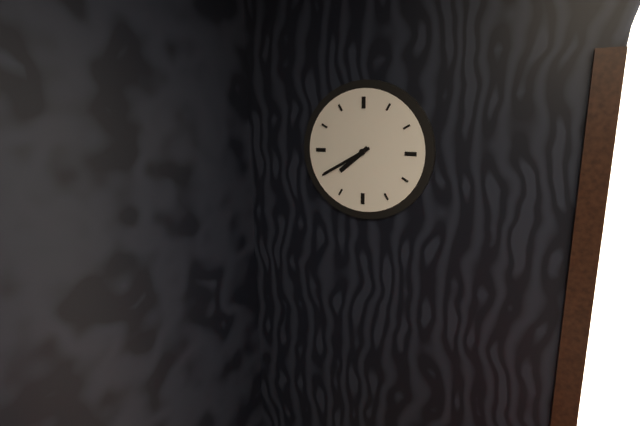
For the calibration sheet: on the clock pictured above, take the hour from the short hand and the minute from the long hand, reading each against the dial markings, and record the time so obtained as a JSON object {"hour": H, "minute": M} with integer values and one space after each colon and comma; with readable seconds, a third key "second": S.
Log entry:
{"hour": 7, "minute": 40}
